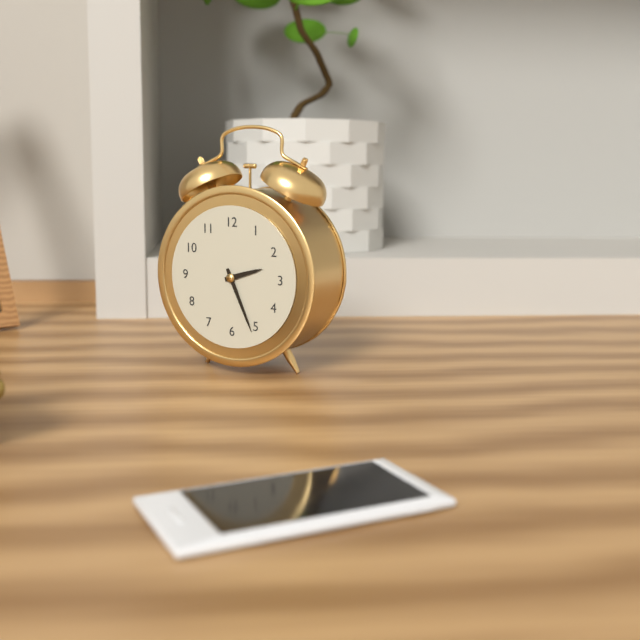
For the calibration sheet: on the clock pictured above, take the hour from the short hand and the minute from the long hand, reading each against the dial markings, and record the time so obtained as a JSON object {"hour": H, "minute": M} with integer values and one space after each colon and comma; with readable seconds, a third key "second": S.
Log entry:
{"hour": 2, "minute": 26}
